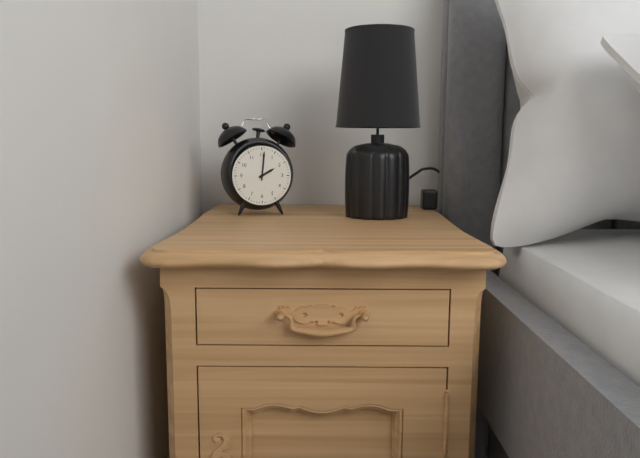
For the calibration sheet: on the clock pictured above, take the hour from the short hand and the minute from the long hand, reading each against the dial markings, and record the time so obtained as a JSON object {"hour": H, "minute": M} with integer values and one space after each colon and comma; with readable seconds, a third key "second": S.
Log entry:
{"hour": 2, "minute": 1}
